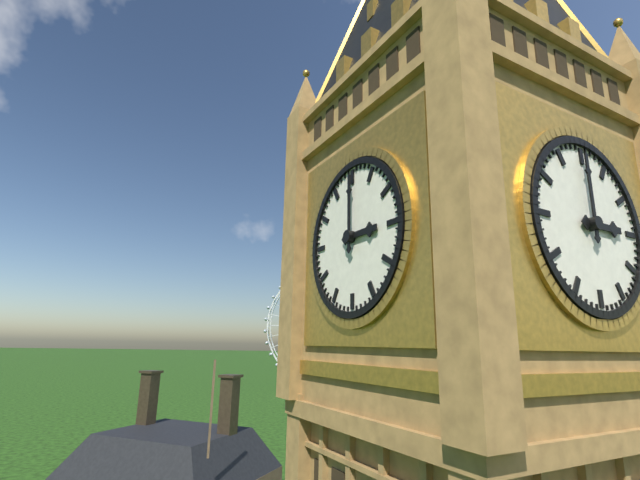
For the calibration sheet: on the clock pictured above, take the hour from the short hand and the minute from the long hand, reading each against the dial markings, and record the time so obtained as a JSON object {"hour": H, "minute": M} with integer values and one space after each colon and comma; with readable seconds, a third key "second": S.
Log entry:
{"hour": 3, "minute": 0}
